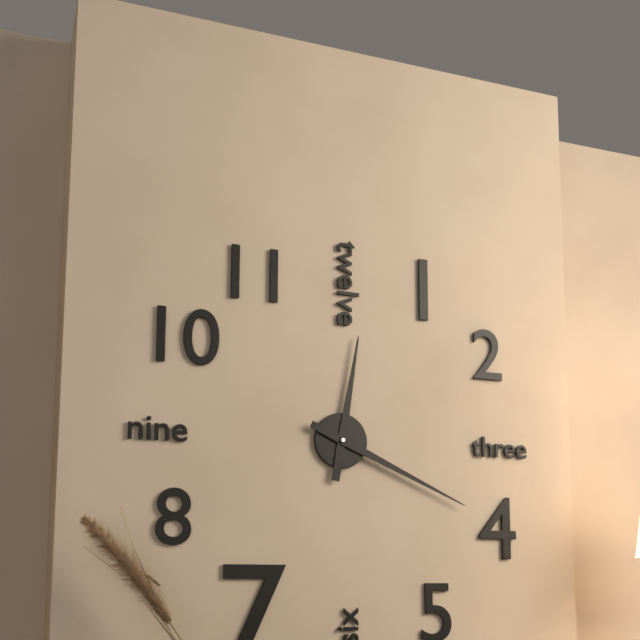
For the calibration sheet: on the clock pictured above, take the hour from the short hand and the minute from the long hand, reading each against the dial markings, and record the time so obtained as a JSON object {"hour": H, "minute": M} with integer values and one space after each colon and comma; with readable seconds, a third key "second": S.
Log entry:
{"hour": 12, "minute": 19}
